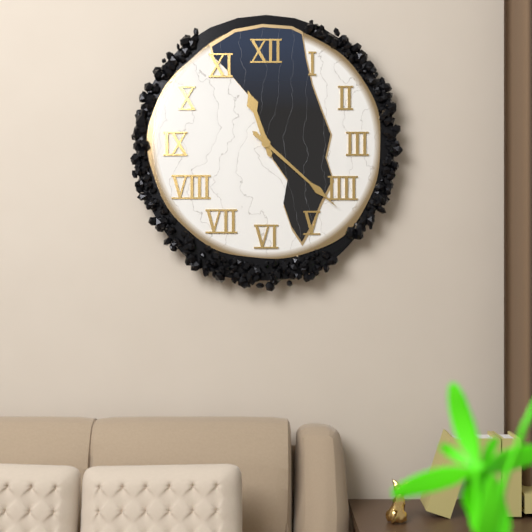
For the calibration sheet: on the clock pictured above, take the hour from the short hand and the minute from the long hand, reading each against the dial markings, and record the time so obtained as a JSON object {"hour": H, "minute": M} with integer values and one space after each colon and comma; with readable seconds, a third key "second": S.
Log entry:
{"hour": 11, "minute": 22}
